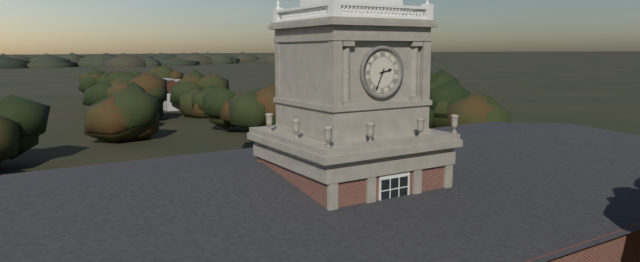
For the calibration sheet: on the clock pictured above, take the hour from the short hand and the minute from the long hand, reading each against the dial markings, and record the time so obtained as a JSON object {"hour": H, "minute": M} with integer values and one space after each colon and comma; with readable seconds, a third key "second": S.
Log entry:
{"hour": 2, "minute": 34}
